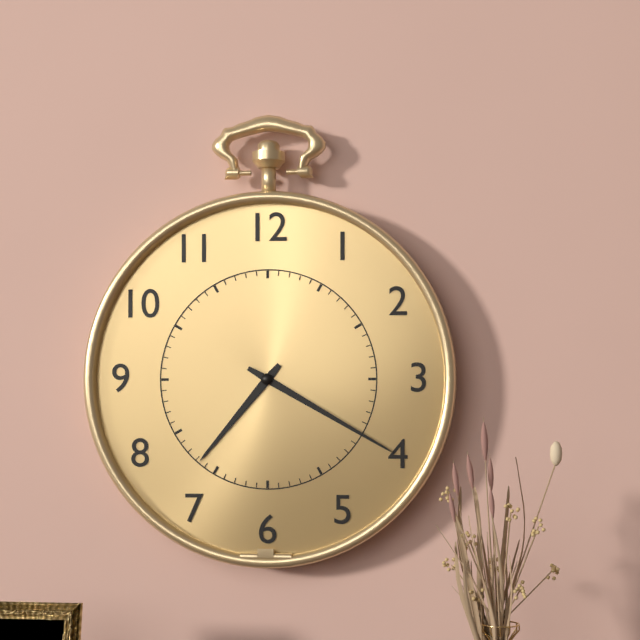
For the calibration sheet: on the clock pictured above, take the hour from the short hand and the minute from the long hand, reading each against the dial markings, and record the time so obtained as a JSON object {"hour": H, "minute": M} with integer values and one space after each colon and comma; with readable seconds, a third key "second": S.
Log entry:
{"hour": 7, "minute": 20}
